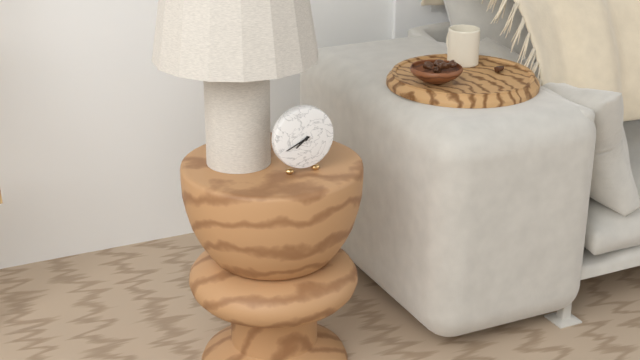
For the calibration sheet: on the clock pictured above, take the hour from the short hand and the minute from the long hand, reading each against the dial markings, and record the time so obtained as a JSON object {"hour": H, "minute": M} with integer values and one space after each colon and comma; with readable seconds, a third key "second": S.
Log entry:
{"hour": 7, "minute": 41}
